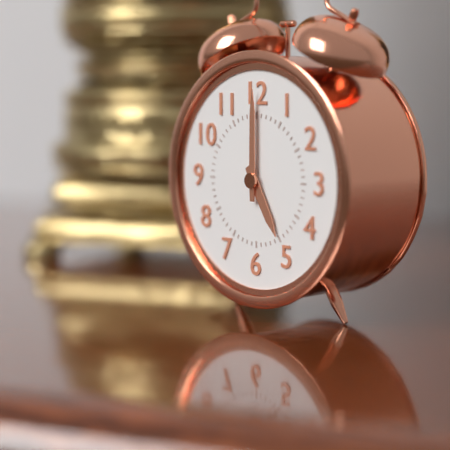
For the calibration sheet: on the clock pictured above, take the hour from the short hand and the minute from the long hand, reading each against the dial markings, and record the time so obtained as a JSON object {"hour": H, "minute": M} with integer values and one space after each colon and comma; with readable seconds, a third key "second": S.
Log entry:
{"hour": 5, "minute": 0}
